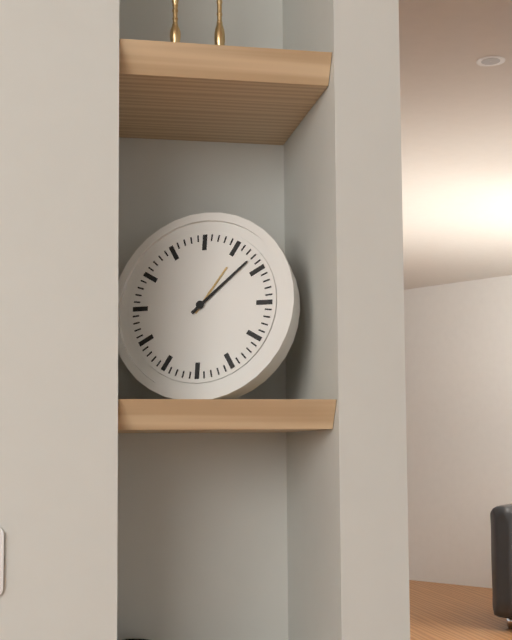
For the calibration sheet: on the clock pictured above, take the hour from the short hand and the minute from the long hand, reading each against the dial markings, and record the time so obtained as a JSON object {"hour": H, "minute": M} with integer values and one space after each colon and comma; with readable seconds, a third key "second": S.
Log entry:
{"hour": 1, "minute": 8}
